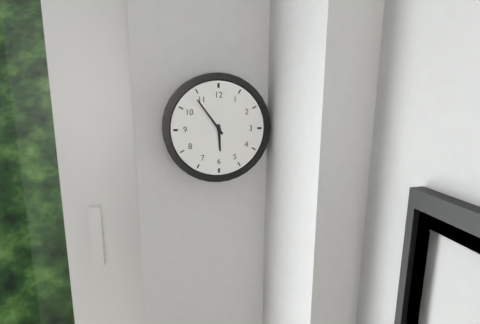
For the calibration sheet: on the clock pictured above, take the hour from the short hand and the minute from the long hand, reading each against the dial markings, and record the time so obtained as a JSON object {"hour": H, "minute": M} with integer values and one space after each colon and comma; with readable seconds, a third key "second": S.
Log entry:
{"hour": 5, "minute": 54}
